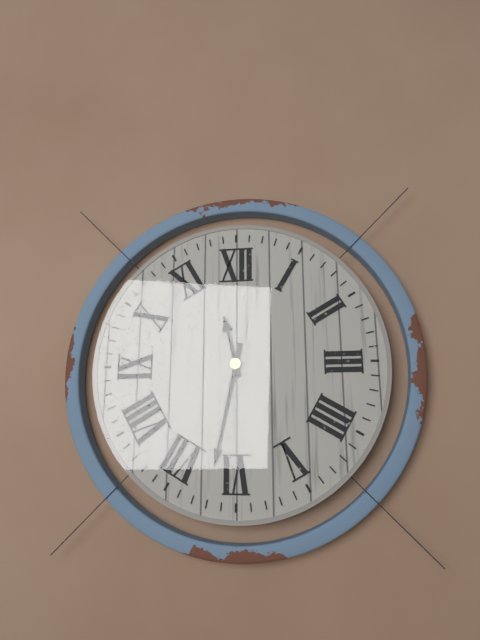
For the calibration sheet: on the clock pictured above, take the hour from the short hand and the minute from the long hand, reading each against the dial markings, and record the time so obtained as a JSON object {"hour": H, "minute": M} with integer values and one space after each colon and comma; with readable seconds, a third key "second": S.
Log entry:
{"hour": 11, "minute": 32}
